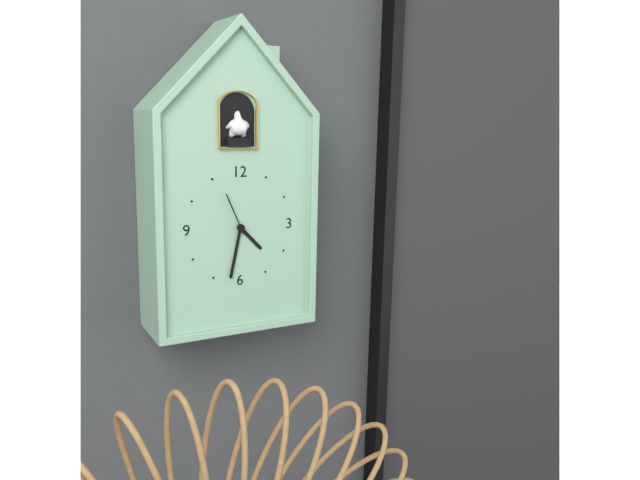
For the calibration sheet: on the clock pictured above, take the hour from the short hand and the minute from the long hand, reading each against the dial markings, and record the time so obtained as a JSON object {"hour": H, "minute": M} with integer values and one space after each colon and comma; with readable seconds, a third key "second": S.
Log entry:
{"hour": 4, "minute": 32}
